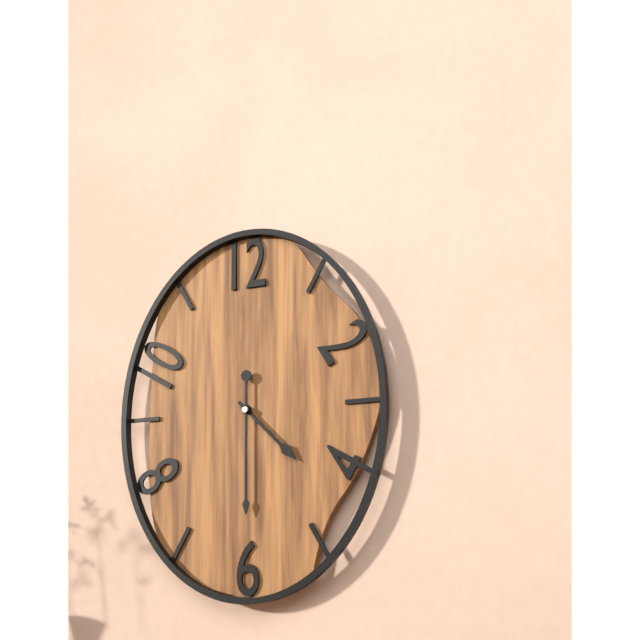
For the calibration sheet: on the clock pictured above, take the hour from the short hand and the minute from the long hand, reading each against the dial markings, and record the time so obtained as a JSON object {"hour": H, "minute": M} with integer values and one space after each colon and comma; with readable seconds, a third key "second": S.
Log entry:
{"hour": 4, "minute": 30}
